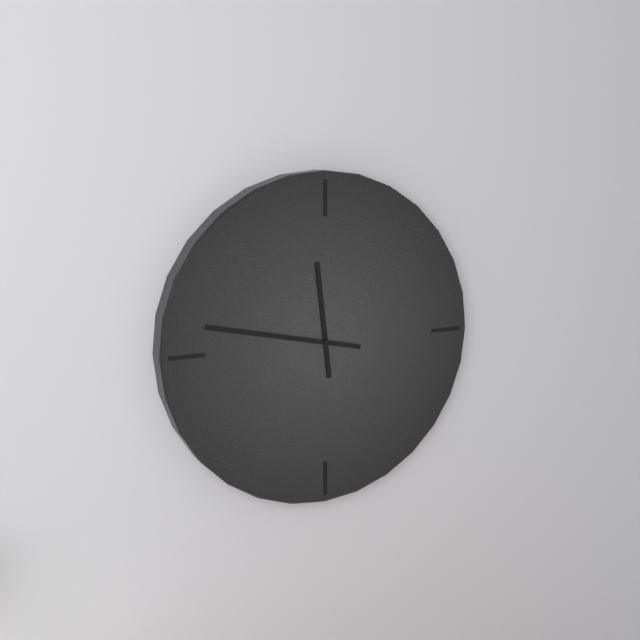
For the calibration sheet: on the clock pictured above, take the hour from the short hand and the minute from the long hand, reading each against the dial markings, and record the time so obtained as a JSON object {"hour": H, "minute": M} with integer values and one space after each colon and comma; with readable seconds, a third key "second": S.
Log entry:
{"hour": 11, "minute": 47}
